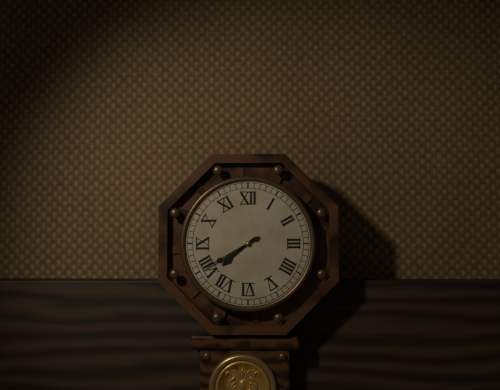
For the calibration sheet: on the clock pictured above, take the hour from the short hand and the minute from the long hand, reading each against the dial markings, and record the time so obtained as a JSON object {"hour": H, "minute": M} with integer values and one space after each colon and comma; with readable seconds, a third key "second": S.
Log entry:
{"hour": 7, "minute": 40}
